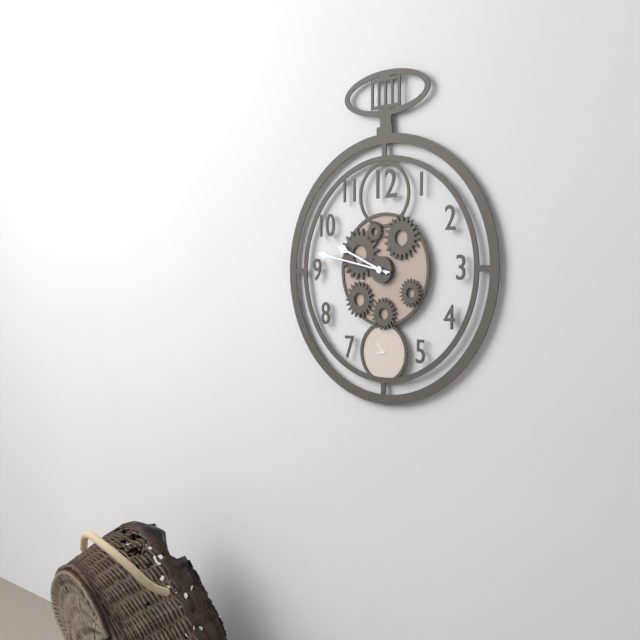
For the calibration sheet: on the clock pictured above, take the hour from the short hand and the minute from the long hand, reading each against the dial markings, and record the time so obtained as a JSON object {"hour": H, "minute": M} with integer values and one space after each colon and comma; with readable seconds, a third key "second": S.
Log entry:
{"hour": 9, "minute": 47}
